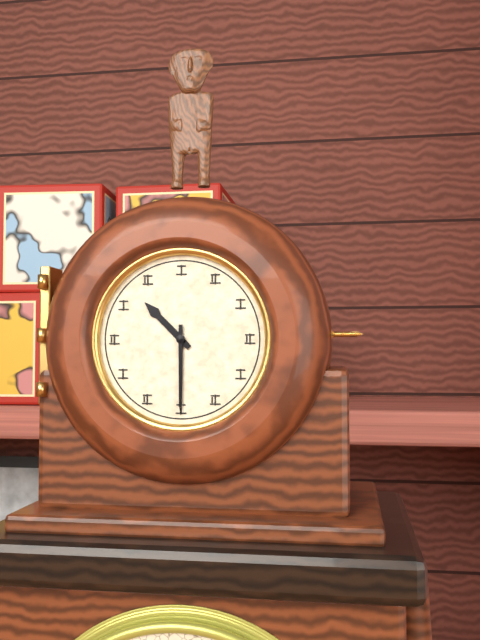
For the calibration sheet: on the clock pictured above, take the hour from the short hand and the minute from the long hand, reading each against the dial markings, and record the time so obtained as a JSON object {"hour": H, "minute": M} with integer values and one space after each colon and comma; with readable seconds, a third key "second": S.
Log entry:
{"hour": 10, "minute": 30}
